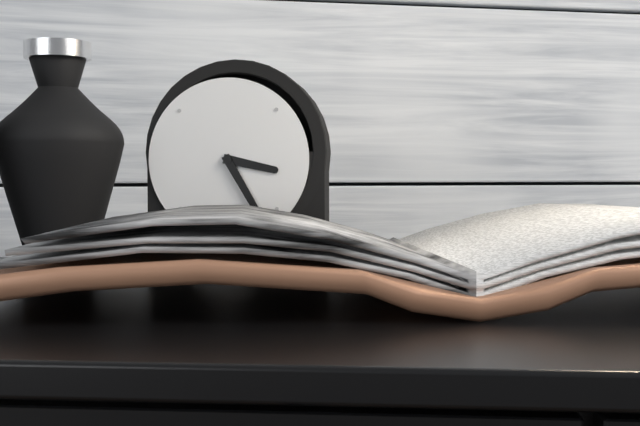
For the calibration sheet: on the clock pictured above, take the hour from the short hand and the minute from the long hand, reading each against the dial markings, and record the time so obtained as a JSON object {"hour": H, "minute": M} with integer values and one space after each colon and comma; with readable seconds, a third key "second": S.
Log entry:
{"hour": 3, "minute": 25}
